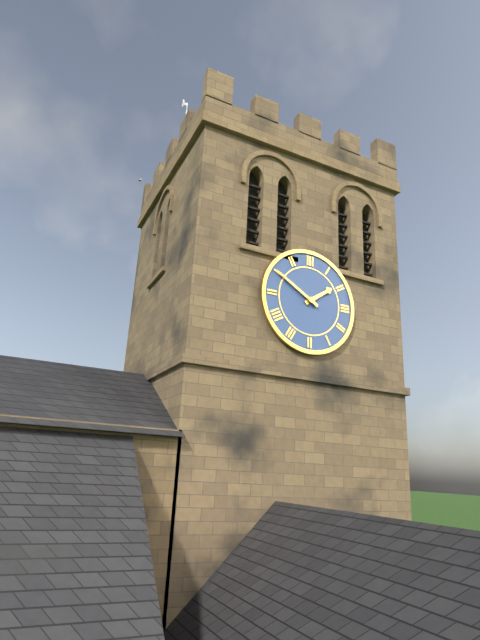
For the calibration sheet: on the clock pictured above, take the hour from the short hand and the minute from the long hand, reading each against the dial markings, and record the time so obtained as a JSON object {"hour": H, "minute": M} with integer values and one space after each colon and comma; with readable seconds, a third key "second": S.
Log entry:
{"hour": 1, "minute": 50}
